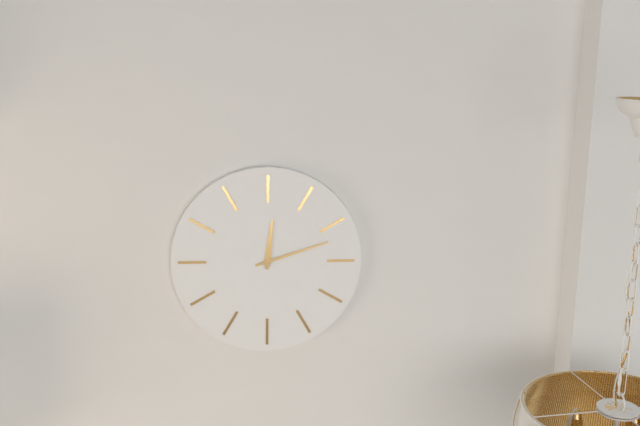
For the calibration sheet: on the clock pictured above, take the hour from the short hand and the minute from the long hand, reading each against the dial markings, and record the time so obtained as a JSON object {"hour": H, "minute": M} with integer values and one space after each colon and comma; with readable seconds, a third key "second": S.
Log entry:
{"hour": 12, "minute": 12}
